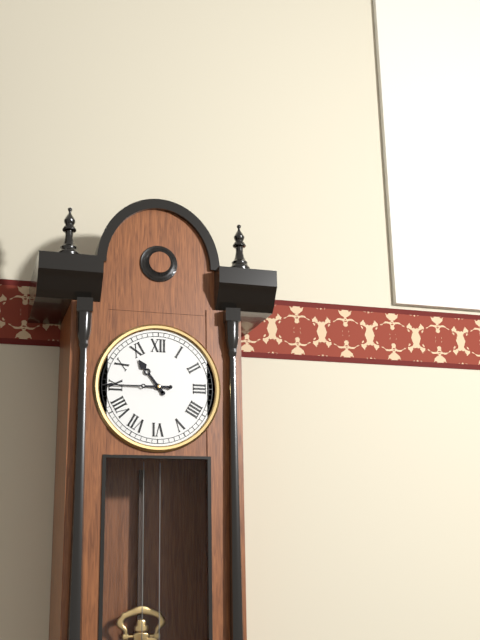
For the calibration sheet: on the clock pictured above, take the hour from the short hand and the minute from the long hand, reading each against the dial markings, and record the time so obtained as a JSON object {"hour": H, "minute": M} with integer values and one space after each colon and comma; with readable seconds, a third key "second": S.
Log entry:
{"hour": 10, "minute": 45}
